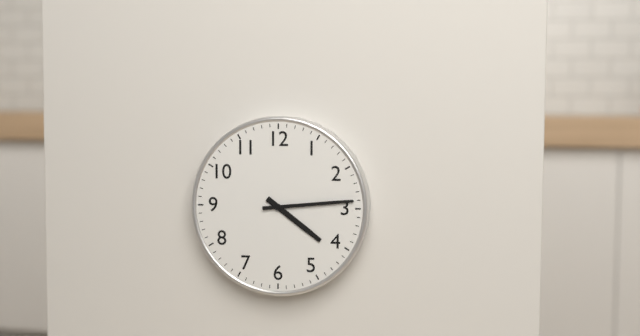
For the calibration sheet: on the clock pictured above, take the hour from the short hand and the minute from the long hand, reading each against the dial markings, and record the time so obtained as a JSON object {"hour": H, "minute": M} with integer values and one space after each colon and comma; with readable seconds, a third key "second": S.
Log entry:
{"hour": 4, "minute": 14}
